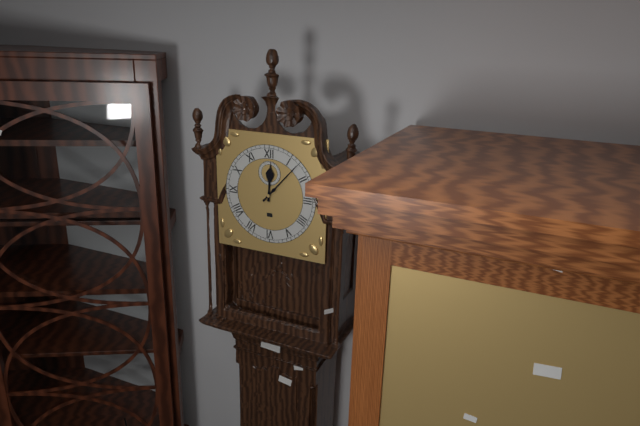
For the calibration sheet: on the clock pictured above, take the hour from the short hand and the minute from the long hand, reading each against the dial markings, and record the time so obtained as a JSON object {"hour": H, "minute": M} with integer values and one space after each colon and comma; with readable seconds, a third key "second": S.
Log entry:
{"hour": 12, "minute": 7}
